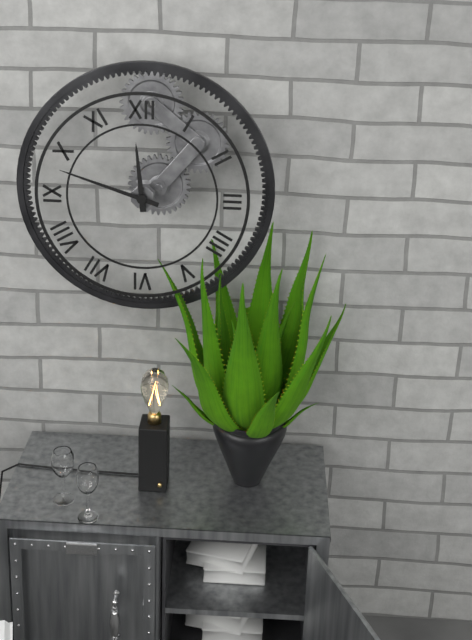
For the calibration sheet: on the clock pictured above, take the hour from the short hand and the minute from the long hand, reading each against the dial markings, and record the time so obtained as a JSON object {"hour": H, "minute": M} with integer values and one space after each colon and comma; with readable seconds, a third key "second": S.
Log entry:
{"hour": 11, "minute": 48}
